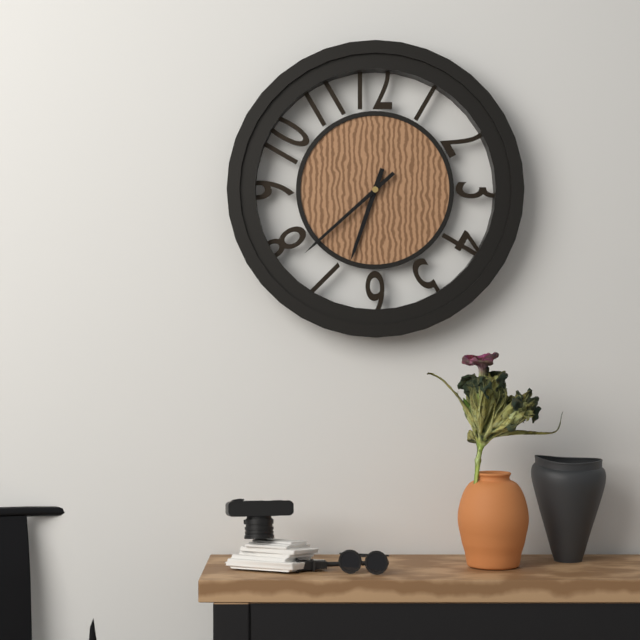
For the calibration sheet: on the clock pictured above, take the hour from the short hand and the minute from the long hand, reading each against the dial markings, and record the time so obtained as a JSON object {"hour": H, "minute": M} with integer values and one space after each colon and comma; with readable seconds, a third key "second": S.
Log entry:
{"hour": 6, "minute": 38}
